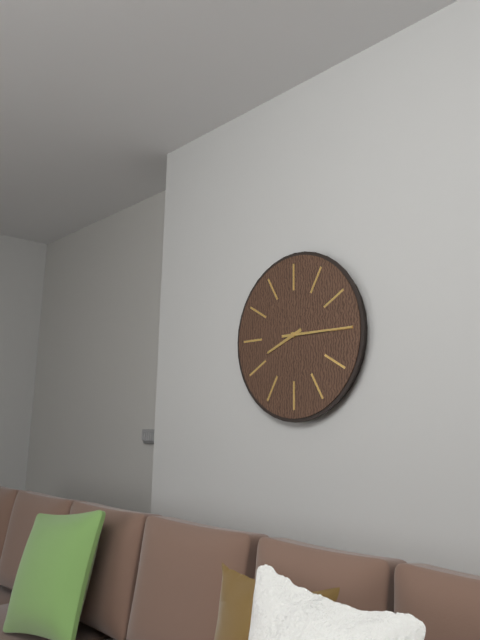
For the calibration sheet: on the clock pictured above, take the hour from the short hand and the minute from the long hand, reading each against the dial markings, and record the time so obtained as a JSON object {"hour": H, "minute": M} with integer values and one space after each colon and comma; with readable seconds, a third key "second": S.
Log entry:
{"hour": 8, "minute": 15}
